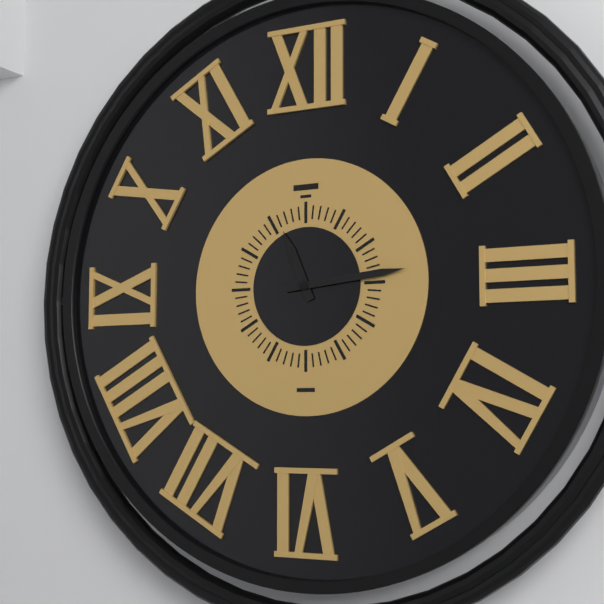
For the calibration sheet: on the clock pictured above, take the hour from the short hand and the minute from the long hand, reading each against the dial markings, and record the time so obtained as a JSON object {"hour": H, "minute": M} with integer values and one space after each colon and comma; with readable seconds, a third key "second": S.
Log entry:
{"hour": 11, "minute": 14}
